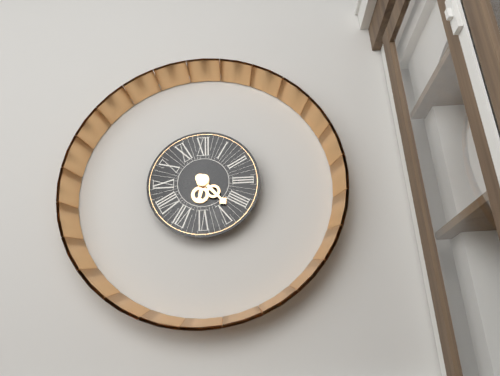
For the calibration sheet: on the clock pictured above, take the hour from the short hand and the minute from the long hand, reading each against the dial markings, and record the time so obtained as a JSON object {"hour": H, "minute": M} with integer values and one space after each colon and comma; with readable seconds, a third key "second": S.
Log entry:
{"hour": 6, "minute": 23}
